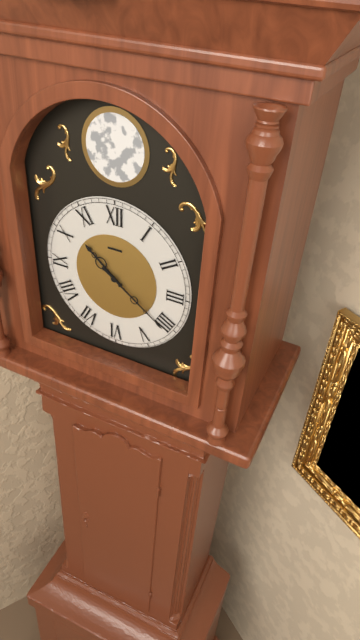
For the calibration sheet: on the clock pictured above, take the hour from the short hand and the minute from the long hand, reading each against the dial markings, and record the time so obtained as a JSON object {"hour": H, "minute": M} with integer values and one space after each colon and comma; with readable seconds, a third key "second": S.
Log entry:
{"hour": 10, "minute": 21}
